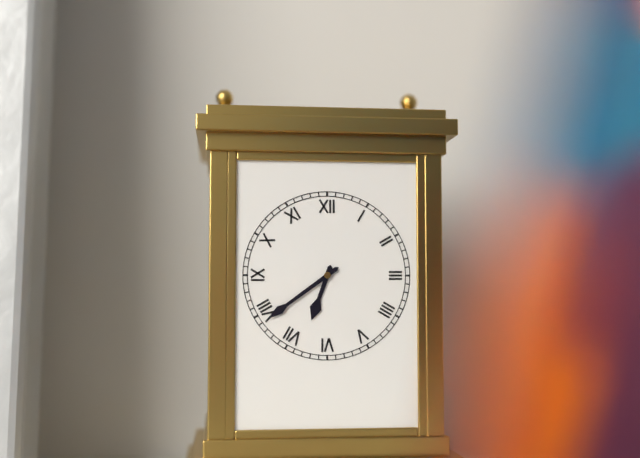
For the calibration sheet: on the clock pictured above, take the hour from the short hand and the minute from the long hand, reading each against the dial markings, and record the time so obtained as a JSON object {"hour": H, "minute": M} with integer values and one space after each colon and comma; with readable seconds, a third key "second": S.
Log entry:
{"hour": 6, "minute": 39}
